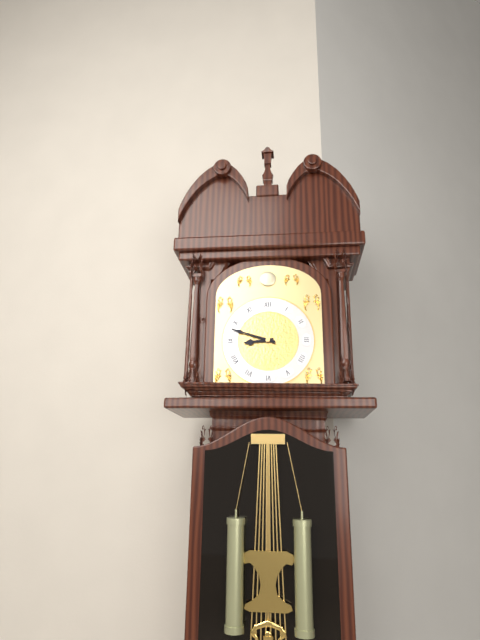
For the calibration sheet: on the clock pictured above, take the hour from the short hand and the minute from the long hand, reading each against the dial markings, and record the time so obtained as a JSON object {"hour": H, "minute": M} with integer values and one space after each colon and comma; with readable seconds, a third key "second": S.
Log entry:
{"hour": 8, "minute": 48}
